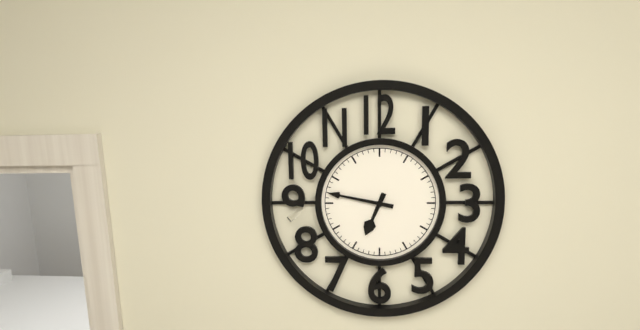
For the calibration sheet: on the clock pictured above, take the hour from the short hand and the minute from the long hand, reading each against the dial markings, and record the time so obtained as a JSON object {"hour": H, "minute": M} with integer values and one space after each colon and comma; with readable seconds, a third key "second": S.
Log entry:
{"hour": 6, "minute": 47}
